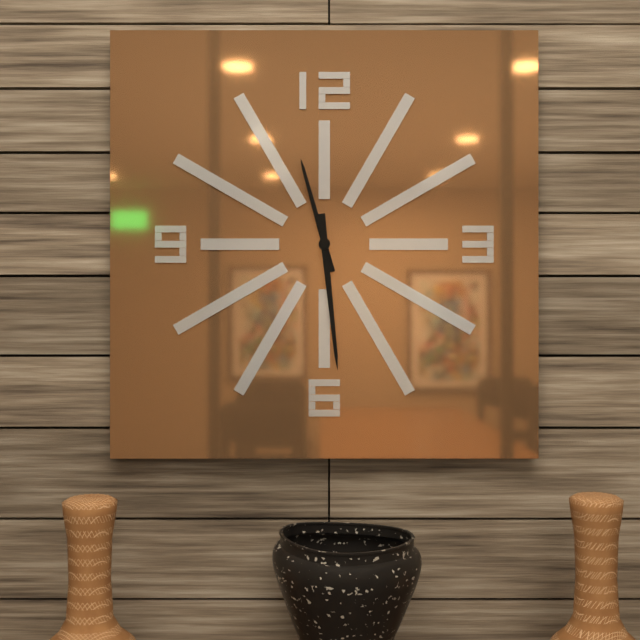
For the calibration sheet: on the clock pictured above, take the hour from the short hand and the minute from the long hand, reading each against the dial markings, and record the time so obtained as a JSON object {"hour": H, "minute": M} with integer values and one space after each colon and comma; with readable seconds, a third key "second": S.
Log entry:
{"hour": 11, "minute": 29}
